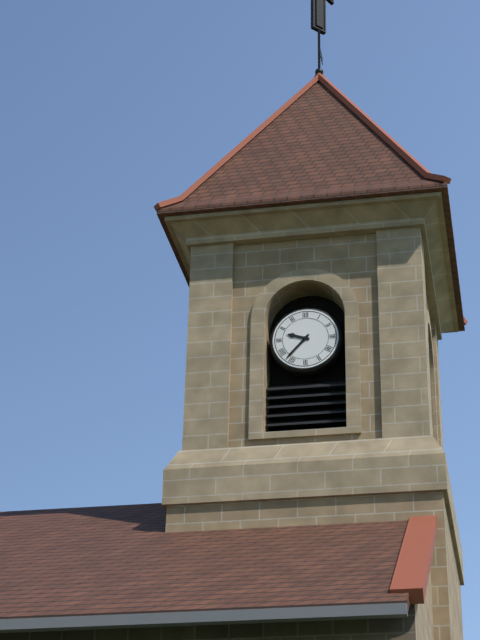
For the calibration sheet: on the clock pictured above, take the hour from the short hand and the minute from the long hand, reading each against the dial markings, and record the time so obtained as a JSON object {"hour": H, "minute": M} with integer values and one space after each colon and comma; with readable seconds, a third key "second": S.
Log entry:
{"hour": 9, "minute": 37}
